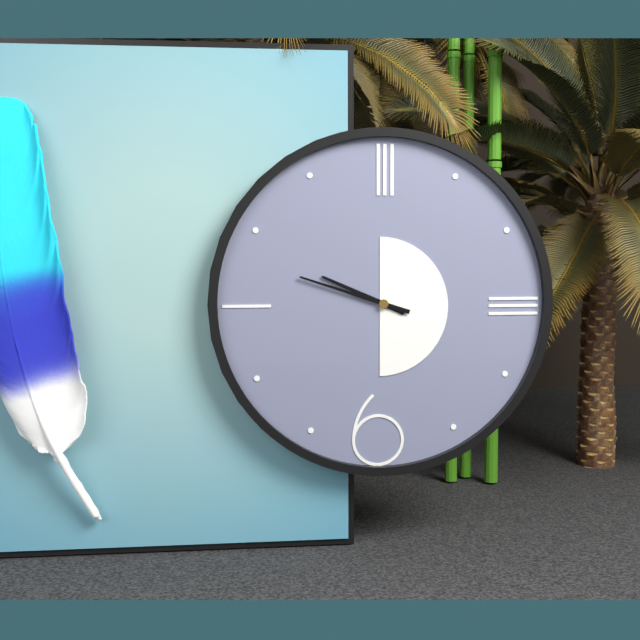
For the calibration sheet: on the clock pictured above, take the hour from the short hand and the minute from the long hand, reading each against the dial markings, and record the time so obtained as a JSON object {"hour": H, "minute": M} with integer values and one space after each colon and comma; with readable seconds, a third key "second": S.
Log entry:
{"hour": 9, "minute": 48}
